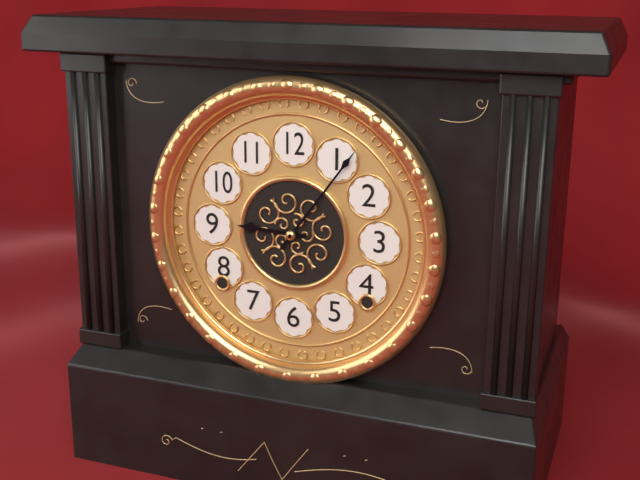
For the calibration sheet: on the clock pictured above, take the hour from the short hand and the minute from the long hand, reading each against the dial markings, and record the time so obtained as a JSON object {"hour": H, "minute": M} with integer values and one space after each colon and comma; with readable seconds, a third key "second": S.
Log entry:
{"hour": 9, "minute": 6}
